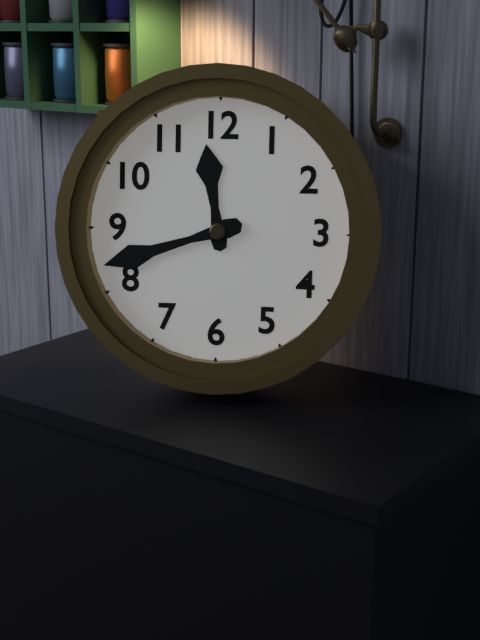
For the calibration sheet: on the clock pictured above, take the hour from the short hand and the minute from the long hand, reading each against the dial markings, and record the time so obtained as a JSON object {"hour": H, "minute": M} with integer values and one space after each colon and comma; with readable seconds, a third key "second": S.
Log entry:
{"hour": 11, "minute": 42}
